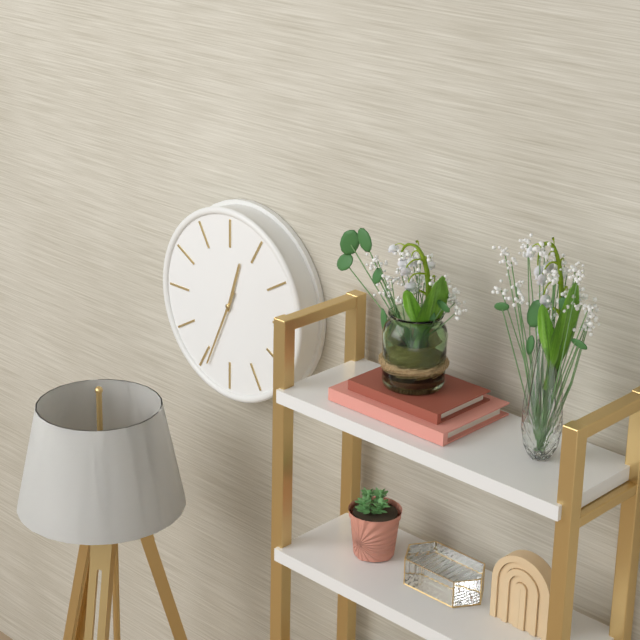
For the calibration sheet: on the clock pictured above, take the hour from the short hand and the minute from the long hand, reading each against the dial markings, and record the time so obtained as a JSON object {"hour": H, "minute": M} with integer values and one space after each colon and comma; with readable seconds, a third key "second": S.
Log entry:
{"hour": 12, "minute": 34}
